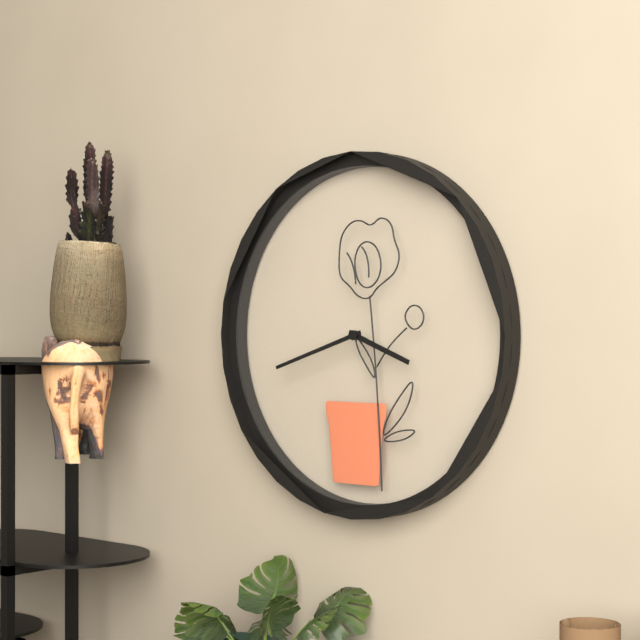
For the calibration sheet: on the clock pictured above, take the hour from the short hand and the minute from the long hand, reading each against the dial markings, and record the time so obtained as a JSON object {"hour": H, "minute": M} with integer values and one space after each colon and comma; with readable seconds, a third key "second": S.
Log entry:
{"hour": 3, "minute": 42}
